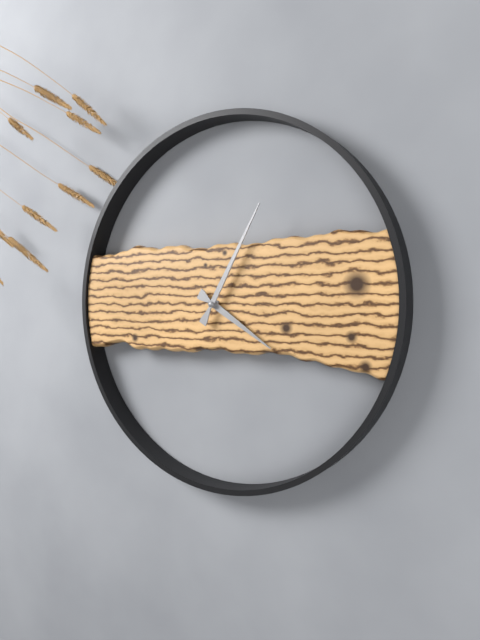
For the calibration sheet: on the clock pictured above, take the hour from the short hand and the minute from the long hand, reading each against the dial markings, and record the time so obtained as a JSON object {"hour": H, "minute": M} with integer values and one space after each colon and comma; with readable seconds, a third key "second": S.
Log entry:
{"hour": 4, "minute": 5}
